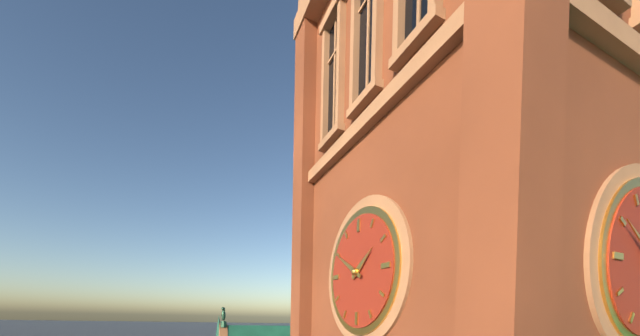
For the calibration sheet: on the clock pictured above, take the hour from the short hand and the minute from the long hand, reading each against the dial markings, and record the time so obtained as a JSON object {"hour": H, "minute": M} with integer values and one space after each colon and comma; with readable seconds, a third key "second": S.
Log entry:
{"hour": 1, "minute": 50}
